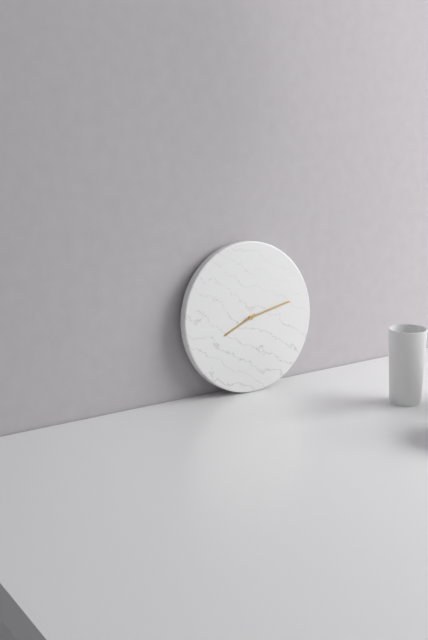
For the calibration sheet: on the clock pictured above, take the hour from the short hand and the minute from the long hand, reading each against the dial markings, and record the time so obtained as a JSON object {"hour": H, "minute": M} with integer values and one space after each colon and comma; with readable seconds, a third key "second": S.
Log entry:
{"hour": 8, "minute": 13}
